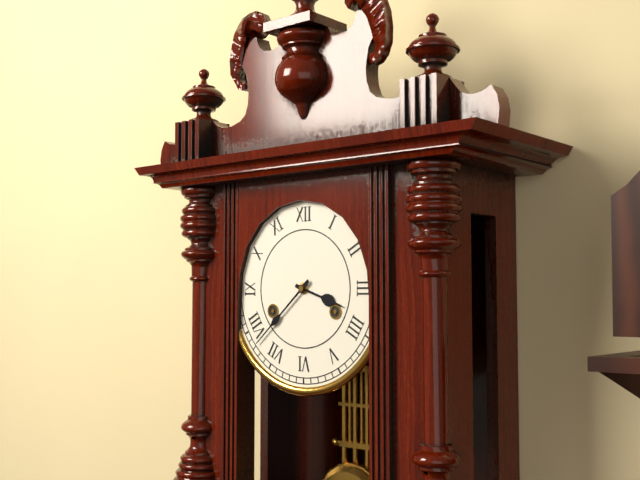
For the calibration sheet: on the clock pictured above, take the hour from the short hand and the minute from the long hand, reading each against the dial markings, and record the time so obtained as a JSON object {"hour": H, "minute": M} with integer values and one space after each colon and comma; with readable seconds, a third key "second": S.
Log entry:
{"hour": 3, "minute": 38}
